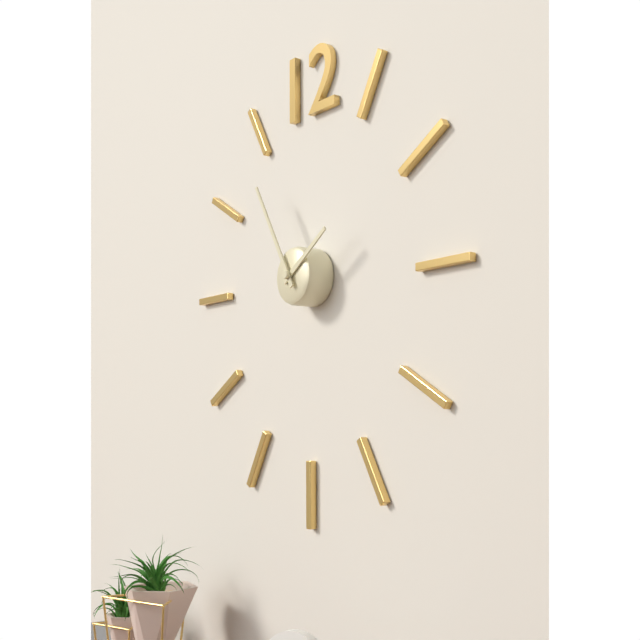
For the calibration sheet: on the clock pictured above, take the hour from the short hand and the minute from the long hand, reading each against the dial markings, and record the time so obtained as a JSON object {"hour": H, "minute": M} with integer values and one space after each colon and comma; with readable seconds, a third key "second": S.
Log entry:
{"hour": 1, "minute": 55}
